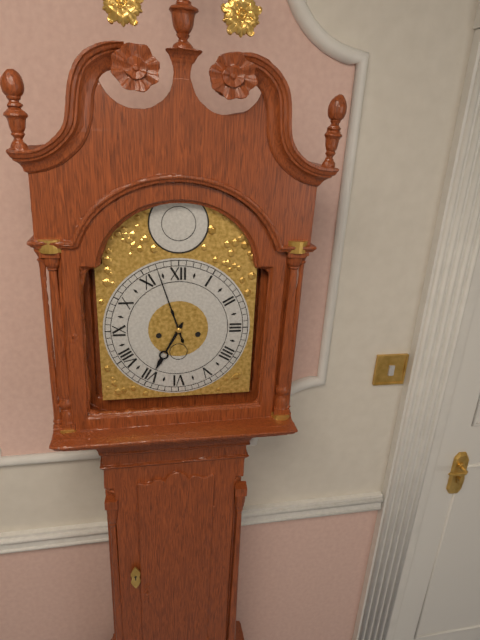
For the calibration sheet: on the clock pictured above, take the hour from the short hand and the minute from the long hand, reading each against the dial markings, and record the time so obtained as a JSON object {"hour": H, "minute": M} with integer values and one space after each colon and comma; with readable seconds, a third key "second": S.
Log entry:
{"hour": 6, "minute": 57}
